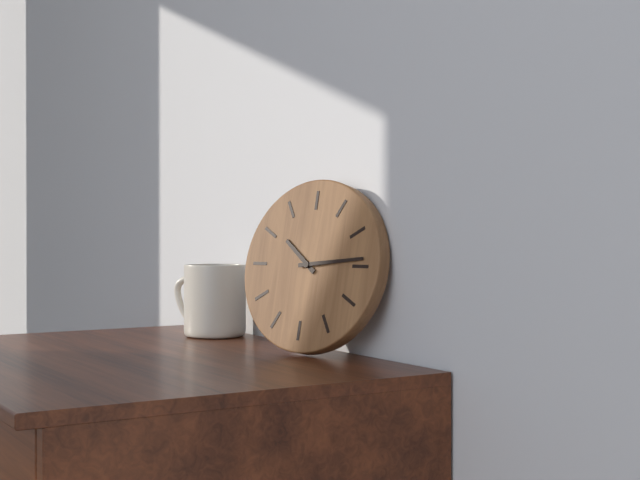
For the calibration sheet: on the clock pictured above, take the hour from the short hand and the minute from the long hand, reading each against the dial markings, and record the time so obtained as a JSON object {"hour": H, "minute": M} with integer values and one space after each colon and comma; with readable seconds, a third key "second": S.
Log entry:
{"hour": 10, "minute": 14}
